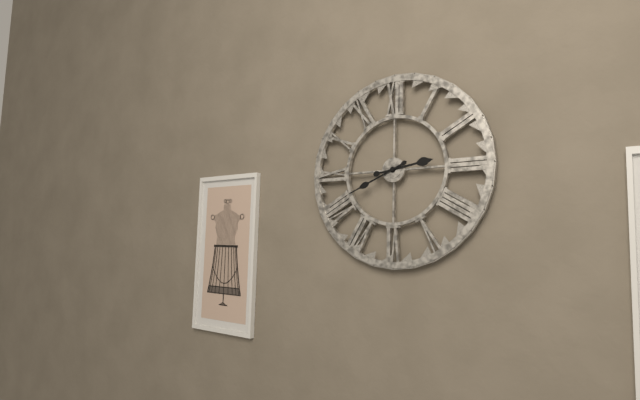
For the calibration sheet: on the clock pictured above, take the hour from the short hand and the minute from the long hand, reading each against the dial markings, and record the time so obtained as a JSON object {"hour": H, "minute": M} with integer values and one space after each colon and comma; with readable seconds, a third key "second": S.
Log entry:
{"hour": 2, "minute": 41}
